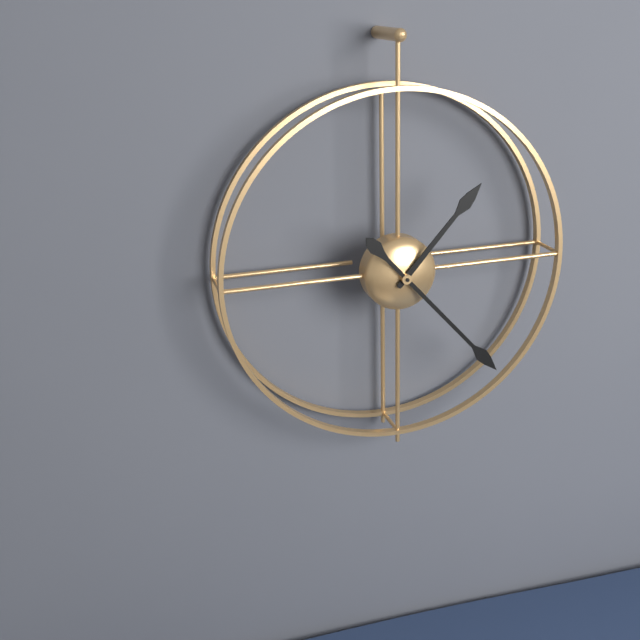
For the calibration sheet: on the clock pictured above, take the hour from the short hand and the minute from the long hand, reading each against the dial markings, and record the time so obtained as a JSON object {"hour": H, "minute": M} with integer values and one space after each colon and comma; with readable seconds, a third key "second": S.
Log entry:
{"hour": 1, "minute": 23}
